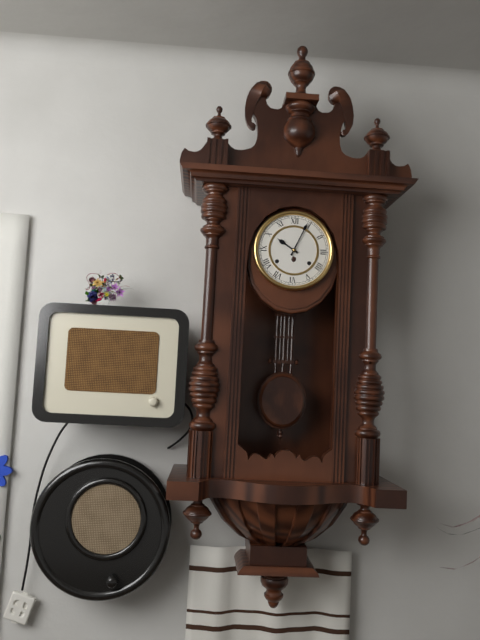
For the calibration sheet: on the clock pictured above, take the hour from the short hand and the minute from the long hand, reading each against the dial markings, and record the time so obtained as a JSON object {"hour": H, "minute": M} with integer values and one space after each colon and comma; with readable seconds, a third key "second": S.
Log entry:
{"hour": 10, "minute": 4}
